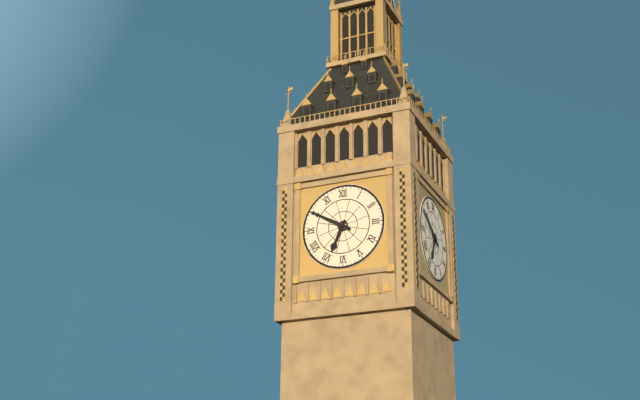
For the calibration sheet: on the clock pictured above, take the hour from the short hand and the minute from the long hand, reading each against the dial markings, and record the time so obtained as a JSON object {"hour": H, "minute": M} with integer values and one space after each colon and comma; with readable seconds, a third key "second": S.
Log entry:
{"hour": 6, "minute": 50}
